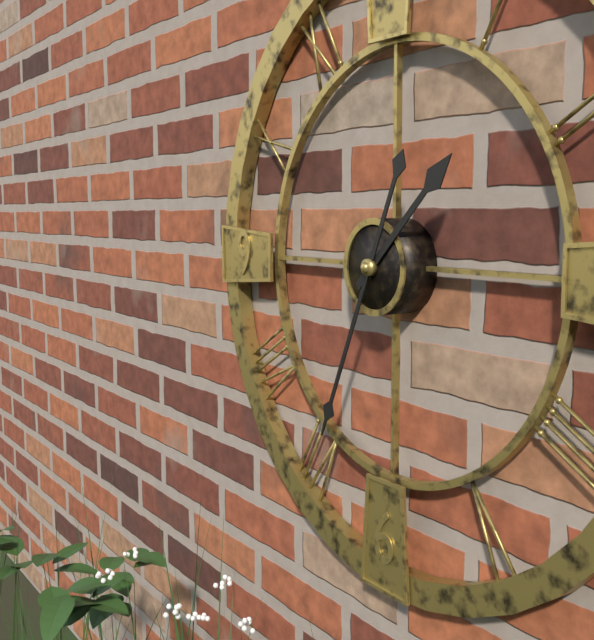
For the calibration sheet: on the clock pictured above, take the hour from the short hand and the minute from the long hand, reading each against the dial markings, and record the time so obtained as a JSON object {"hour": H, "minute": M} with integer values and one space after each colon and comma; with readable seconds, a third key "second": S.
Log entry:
{"hour": 1, "minute": 34}
